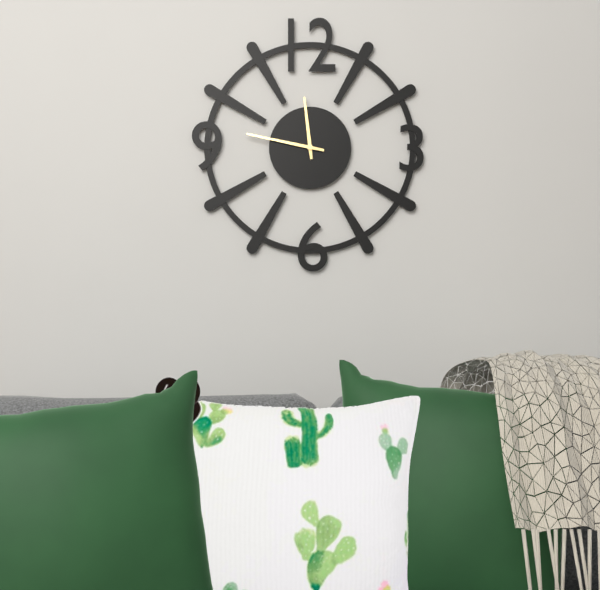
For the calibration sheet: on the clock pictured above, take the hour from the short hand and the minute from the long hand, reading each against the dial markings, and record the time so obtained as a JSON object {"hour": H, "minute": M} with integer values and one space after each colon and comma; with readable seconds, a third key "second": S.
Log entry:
{"hour": 11, "minute": 47}
